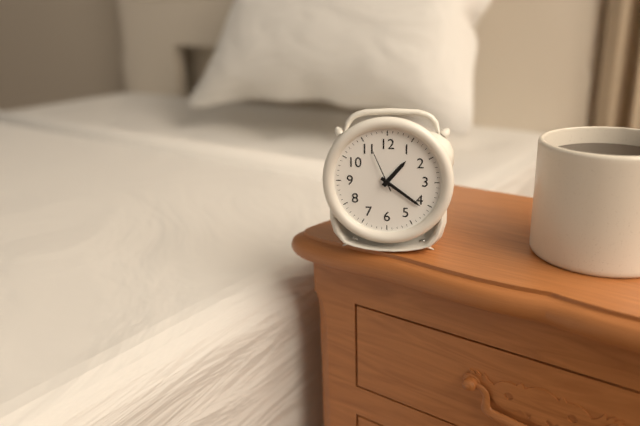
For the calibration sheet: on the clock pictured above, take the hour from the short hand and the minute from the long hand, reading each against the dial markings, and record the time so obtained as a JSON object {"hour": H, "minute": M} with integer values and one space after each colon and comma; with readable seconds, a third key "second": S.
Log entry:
{"hour": 1, "minute": 21}
